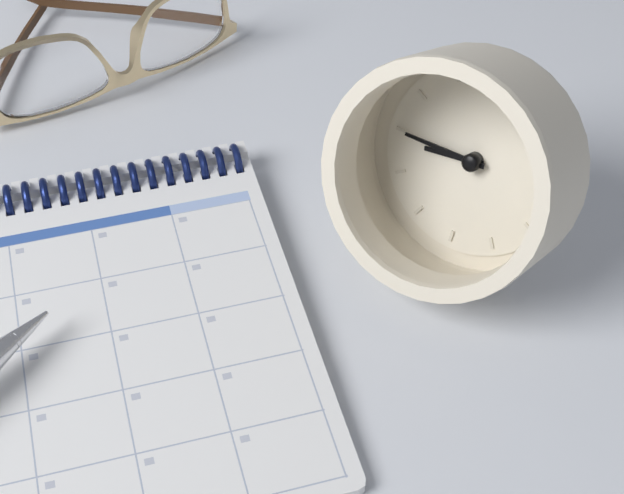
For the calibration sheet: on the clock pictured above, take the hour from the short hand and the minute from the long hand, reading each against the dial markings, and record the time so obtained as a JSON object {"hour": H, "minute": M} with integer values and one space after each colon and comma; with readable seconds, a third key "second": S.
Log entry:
{"hour": 8, "minute": 45}
